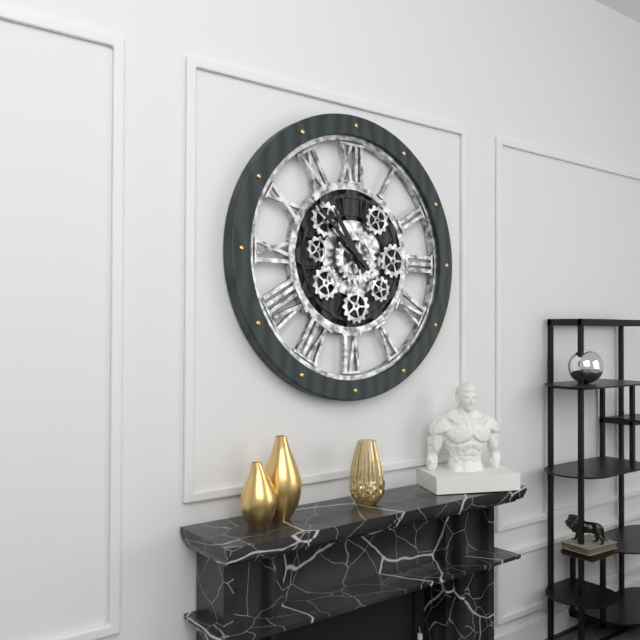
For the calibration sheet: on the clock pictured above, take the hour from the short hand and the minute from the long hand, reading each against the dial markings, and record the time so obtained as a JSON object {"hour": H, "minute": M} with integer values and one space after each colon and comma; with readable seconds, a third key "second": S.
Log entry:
{"hour": 10, "minute": 52}
